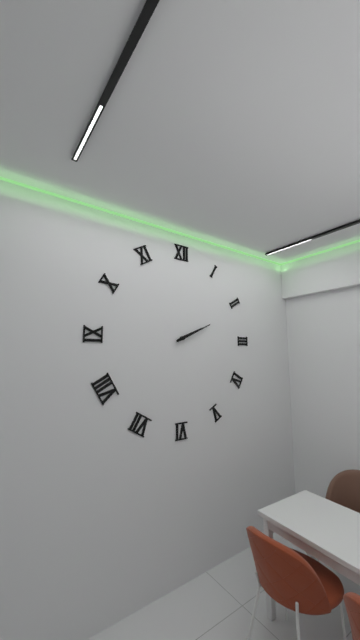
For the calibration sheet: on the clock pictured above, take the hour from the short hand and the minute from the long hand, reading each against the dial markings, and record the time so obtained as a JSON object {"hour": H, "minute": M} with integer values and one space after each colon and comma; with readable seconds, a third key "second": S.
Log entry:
{"hour": 2, "minute": 11}
